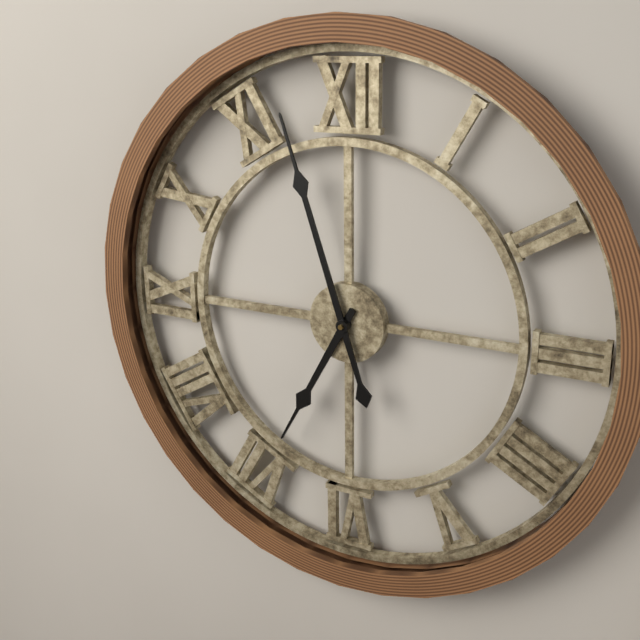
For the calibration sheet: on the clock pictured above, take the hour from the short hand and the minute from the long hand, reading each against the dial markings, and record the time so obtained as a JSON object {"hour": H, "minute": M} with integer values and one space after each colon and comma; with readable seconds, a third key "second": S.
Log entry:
{"hour": 6, "minute": 57}
